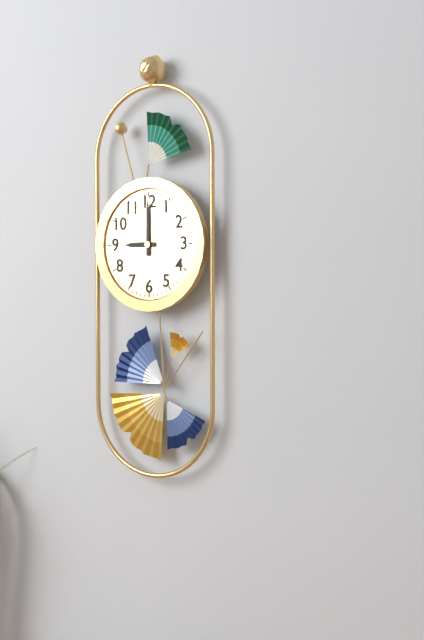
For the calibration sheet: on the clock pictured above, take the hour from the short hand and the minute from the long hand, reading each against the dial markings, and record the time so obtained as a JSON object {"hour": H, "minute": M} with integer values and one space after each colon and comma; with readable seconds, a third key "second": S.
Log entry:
{"hour": 9, "minute": 0}
